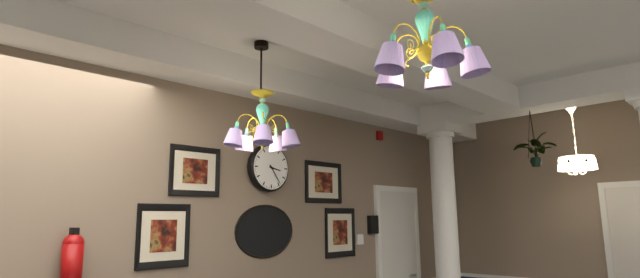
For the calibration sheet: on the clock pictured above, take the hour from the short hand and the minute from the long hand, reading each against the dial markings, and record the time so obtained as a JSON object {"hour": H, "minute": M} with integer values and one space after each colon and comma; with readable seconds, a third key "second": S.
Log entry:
{"hour": 3, "minute": 24}
